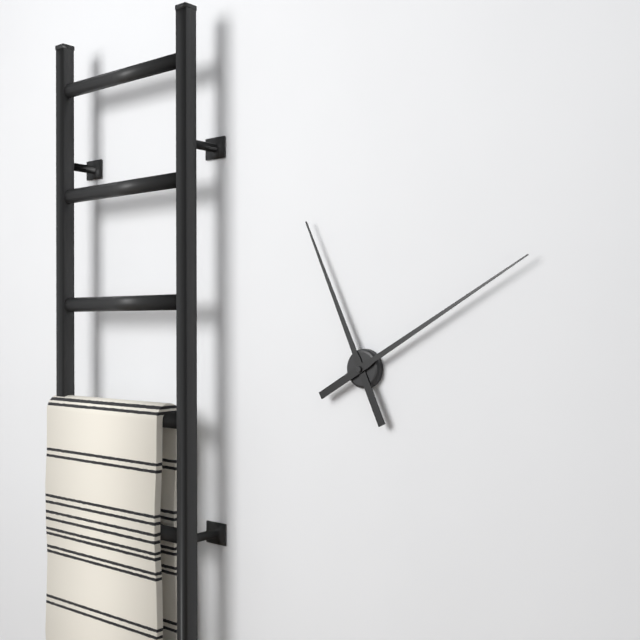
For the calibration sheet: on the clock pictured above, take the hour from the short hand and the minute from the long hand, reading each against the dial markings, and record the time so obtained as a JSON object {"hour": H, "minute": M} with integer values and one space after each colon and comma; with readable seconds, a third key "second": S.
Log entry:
{"hour": 11, "minute": 10}
